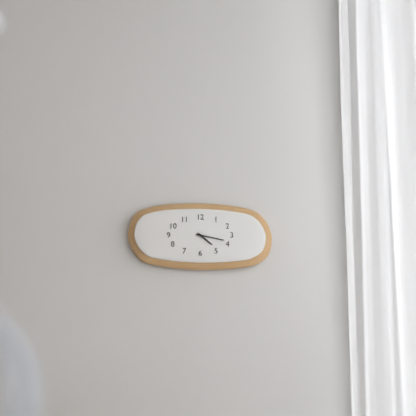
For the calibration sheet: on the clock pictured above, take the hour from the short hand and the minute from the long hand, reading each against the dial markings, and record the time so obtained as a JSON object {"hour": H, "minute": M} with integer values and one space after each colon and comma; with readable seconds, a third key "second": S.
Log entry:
{"hour": 4, "minute": 17}
